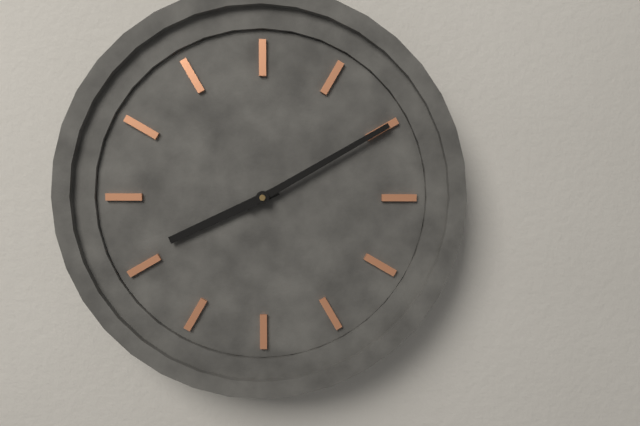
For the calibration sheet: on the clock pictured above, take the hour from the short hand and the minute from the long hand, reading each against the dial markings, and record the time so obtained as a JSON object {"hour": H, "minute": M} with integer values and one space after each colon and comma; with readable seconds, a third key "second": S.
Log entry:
{"hour": 8, "minute": 10}
